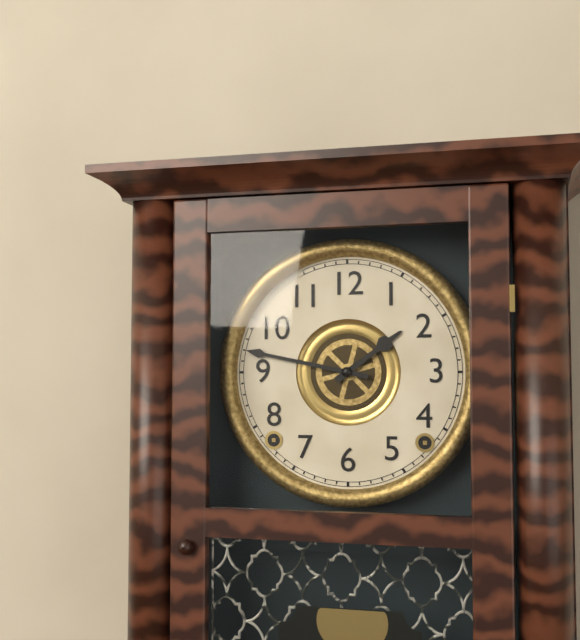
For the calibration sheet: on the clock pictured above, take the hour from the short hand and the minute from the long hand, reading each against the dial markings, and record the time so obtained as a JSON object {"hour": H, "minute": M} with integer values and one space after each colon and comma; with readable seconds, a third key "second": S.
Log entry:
{"hour": 1, "minute": 47}
